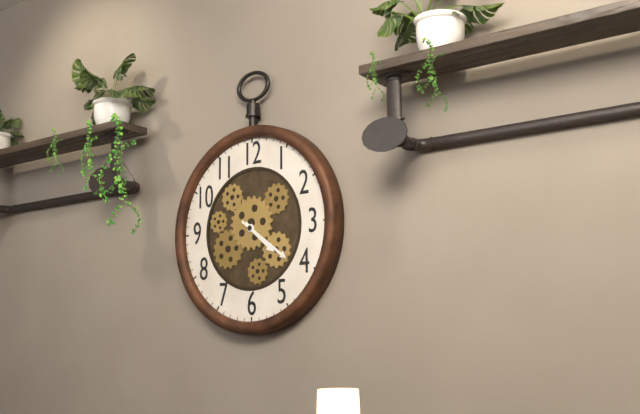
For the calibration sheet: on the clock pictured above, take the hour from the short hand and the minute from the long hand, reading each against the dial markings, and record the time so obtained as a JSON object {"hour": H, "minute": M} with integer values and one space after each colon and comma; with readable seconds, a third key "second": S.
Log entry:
{"hour": 4, "minute": 21}
